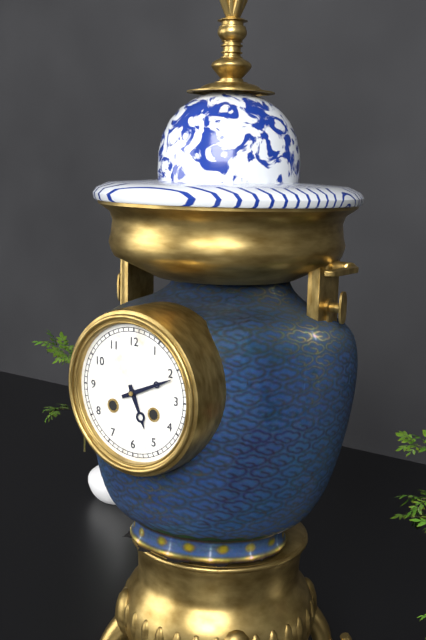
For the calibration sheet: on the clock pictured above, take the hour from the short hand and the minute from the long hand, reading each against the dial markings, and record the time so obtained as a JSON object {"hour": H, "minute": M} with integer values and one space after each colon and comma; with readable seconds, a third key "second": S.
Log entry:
{"hour": 5, "minute": 11}
